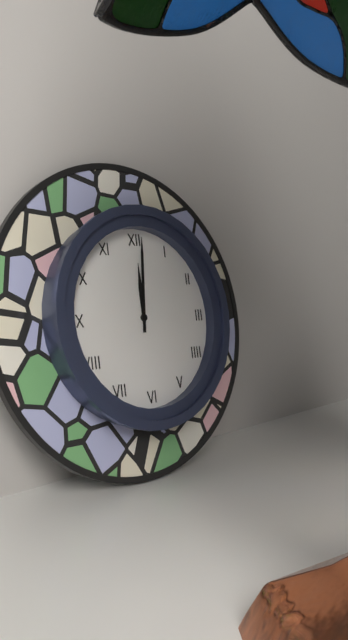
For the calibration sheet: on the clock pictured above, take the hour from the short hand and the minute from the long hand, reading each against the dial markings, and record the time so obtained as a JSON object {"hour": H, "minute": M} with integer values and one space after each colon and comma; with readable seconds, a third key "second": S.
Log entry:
{"hour": 12, "minute": 1}
